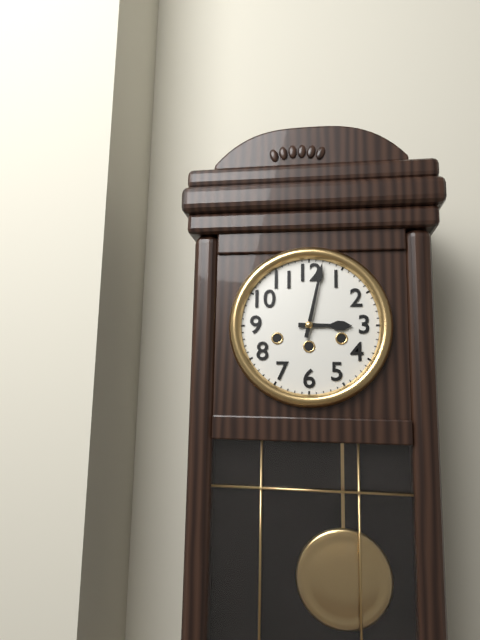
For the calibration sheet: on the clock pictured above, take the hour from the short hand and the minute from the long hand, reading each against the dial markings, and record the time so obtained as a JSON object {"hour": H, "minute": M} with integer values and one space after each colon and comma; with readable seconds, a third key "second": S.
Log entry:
{"hour": 3, "minute": 2}
